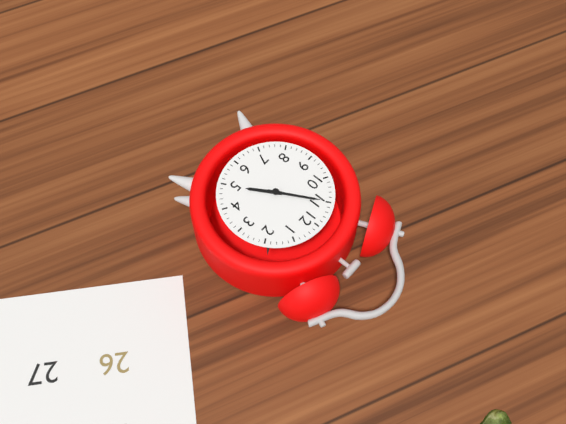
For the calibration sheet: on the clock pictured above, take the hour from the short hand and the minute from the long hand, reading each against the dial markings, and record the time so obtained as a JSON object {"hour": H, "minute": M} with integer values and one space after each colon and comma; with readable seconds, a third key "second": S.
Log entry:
{"hour": 4, "minute": 55}
